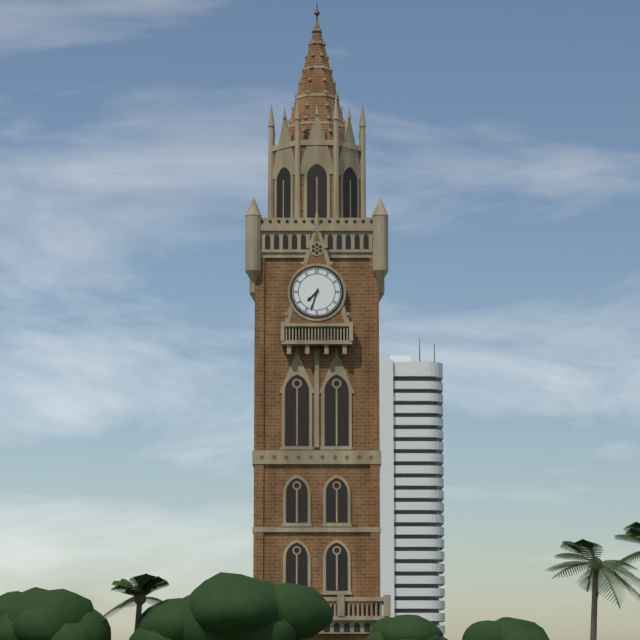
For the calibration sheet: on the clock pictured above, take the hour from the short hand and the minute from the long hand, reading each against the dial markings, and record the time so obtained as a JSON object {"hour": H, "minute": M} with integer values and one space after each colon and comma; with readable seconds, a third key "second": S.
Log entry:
{"hour": 7, "minute": 33}
